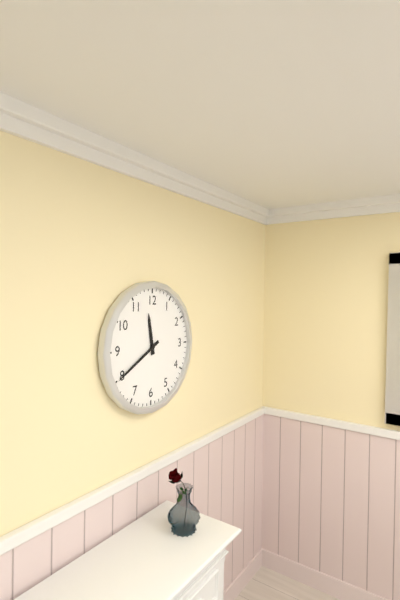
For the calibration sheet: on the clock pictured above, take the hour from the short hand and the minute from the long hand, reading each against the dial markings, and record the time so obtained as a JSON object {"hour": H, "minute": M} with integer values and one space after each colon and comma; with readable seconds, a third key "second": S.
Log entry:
{"hour": 11, "minute": 40}
